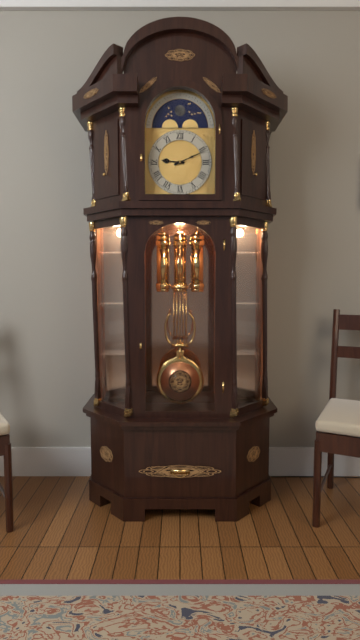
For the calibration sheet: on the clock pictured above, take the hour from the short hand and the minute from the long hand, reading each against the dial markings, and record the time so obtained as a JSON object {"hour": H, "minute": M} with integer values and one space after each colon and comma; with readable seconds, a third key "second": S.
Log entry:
{"hour": 9, "minute": 11}
